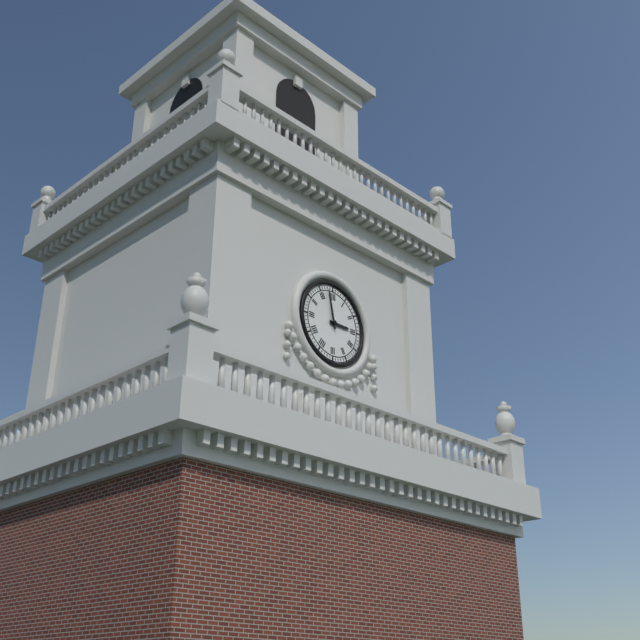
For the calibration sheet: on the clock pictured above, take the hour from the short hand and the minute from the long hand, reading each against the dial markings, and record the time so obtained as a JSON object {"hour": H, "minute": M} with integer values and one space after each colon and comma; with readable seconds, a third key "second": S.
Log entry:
{"hour": 2, "minute": 58}
